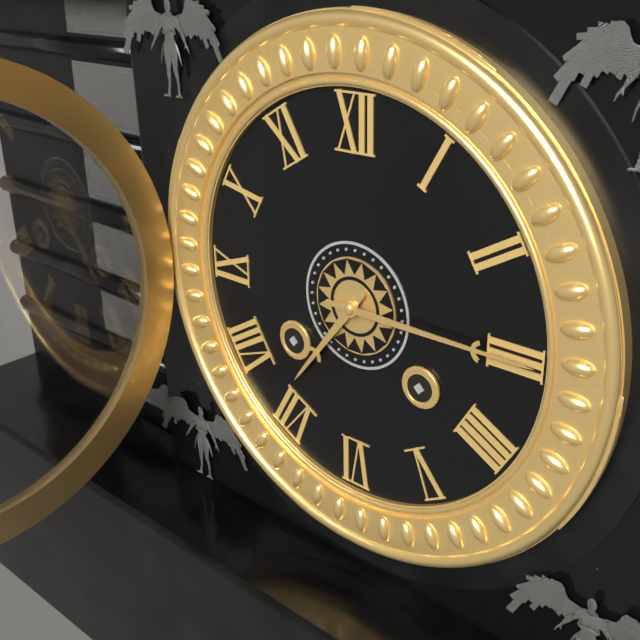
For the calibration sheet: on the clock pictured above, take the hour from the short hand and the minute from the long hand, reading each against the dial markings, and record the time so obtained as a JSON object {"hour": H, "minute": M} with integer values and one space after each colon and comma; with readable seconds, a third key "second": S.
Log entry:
{"hour": 7, "minute": 15}
